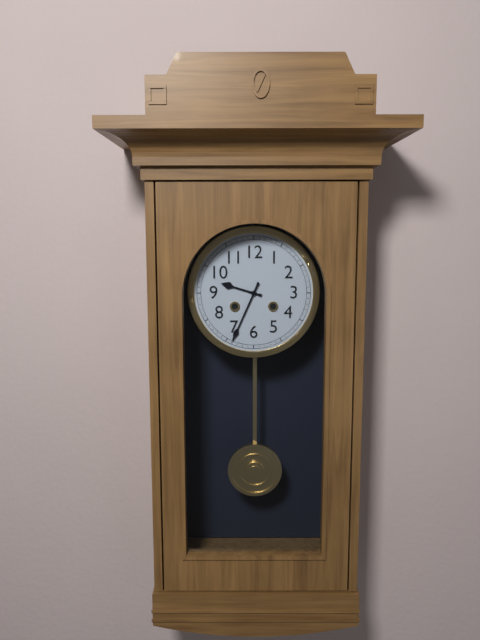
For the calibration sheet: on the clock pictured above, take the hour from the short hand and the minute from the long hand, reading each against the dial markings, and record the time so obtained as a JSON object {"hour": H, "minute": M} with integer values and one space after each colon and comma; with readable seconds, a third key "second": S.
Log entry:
{"hour": 9, "minute": 34}
